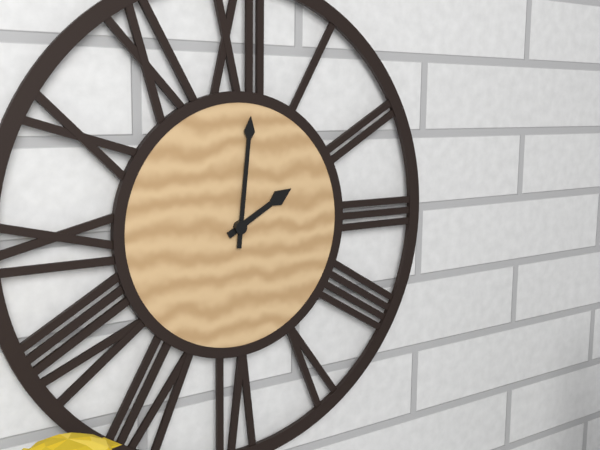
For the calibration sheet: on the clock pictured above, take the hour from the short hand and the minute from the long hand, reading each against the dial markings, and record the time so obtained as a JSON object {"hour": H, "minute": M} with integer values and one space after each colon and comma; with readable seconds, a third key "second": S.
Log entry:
{"hour": 2, "minute": 1}
